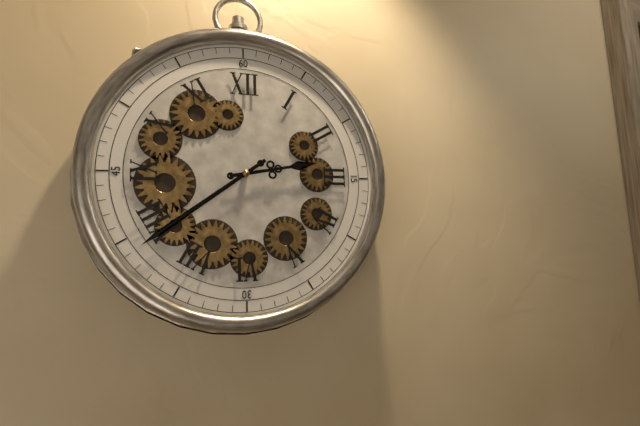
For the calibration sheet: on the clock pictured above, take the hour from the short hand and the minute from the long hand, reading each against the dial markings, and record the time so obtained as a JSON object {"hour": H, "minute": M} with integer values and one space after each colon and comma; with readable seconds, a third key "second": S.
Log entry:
{"hour": 2, "minute": 39}
